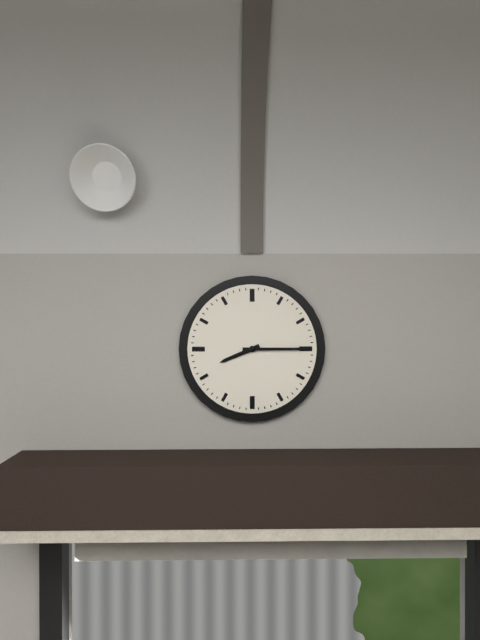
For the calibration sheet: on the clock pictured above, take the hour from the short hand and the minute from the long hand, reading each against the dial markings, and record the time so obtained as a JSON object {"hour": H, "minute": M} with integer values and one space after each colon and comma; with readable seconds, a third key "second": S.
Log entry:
{"hour": 8, "minute": 15}
